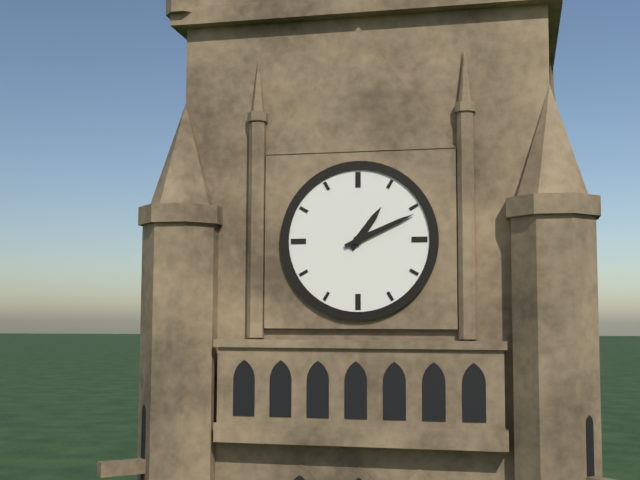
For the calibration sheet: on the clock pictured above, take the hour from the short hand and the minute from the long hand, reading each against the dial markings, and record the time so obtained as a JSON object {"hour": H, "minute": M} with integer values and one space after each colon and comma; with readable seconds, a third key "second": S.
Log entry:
{"hour": 1, "minute": 11}
